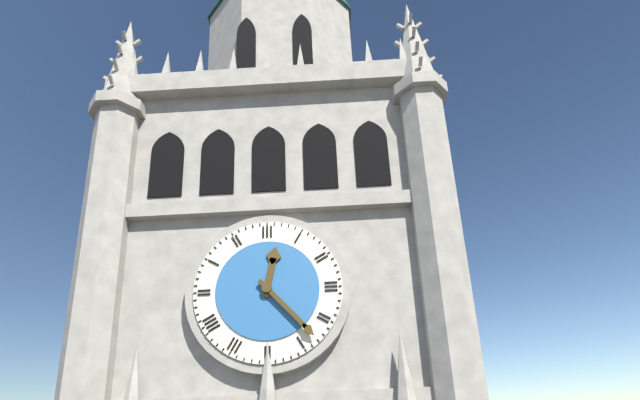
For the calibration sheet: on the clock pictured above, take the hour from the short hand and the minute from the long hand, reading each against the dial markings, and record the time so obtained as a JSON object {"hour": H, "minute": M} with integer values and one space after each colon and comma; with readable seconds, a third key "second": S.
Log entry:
{"hour": 12, "minute": 23}
